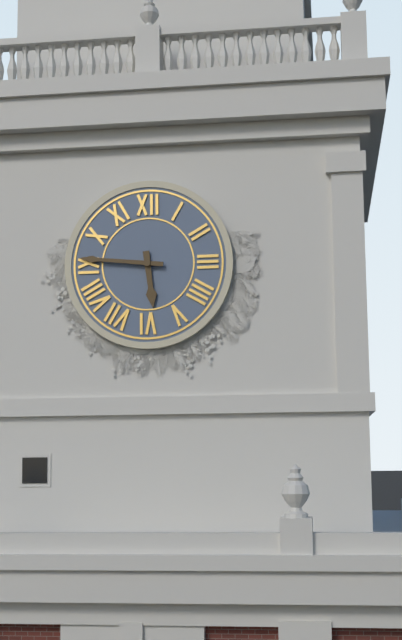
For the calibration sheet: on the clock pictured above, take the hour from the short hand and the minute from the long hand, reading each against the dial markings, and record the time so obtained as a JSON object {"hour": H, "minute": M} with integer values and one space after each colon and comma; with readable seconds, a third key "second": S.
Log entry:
{"hour": 5, "minute": 46}
